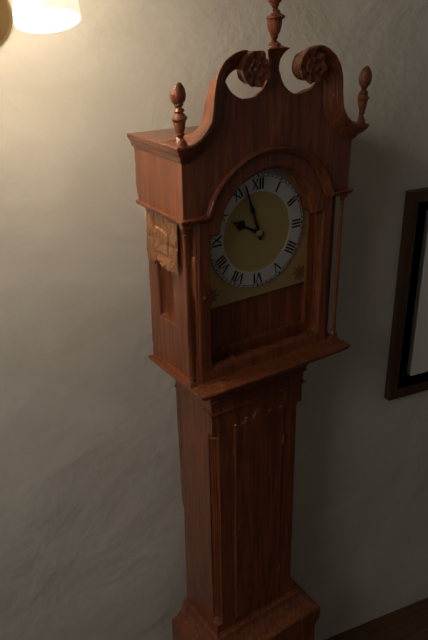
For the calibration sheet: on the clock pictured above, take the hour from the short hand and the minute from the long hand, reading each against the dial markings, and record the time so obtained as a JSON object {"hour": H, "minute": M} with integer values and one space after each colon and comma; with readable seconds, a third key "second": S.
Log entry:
{"hour": 9, "minute": 57}
